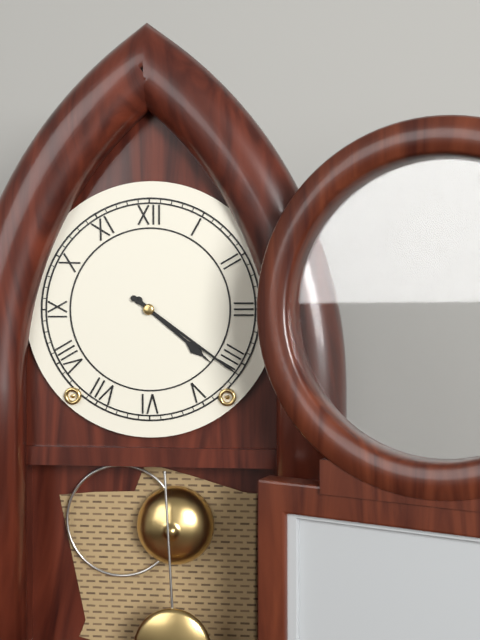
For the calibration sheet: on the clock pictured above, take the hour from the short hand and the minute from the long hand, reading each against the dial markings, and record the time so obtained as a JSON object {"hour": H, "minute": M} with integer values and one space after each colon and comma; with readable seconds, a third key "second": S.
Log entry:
{"hour": 4, "minute": 21}
